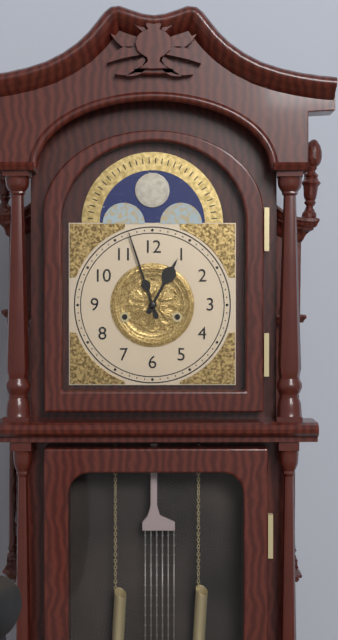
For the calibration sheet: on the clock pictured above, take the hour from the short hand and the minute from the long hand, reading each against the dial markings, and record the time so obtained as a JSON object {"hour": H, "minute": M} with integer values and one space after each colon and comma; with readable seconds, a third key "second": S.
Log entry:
{"hour": 12, "minute": 57}
